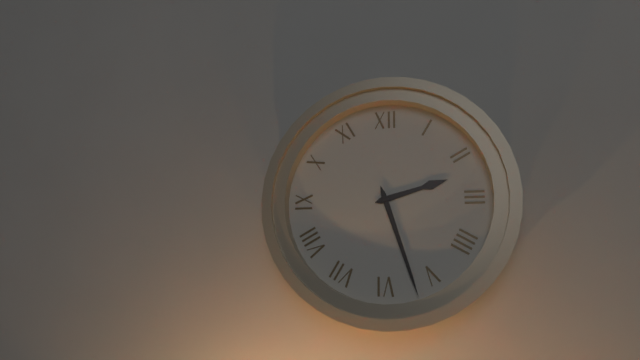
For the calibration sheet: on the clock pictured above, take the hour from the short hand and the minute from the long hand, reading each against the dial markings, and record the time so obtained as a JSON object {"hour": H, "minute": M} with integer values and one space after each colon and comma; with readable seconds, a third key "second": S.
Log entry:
{"hour": 2, "minute": 27}
